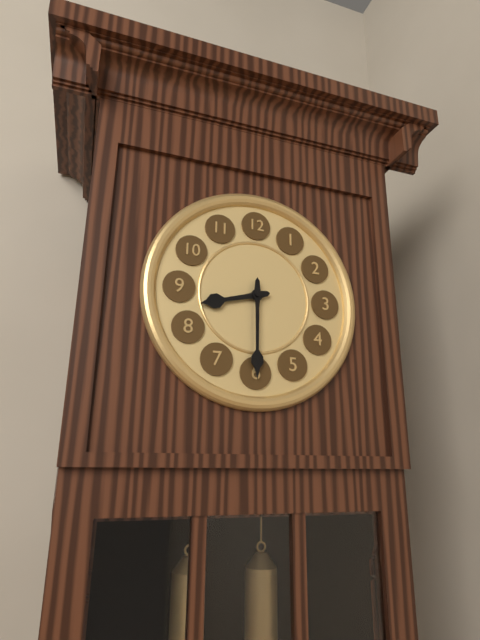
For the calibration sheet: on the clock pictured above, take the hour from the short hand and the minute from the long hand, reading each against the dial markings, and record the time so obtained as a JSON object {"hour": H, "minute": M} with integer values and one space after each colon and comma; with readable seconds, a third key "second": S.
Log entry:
{"hour": 8, "minute": 30}
